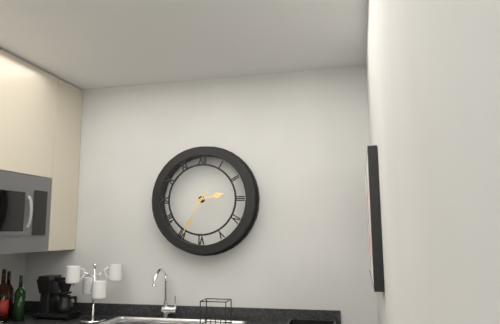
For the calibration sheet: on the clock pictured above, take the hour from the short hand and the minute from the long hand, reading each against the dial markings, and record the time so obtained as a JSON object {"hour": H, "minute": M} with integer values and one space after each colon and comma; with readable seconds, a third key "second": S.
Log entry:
{"hour": 2, "minute": 35}
